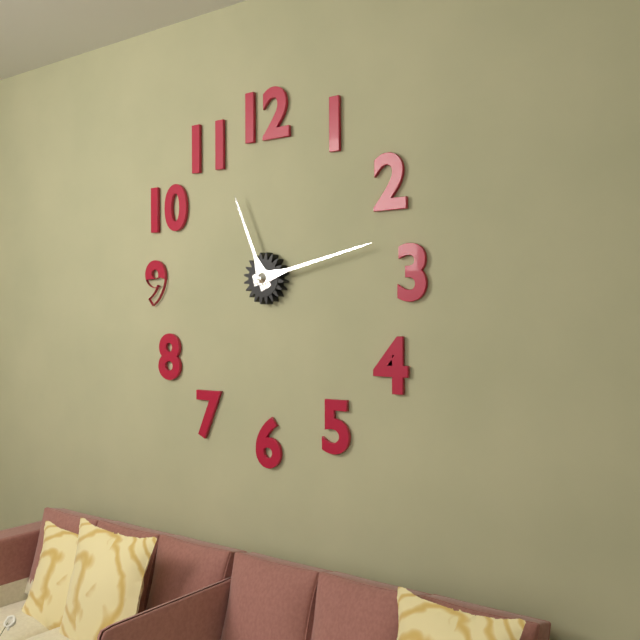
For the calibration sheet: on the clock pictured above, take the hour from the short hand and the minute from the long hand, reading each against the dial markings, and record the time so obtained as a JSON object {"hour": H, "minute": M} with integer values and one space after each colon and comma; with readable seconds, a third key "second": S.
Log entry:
{"hour": 11, "minute": 13}
